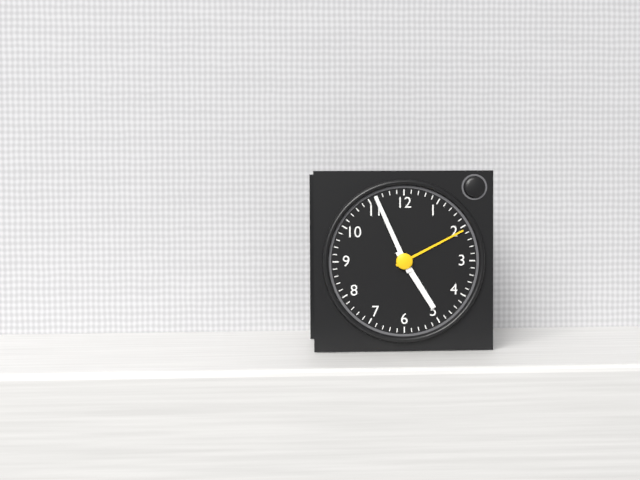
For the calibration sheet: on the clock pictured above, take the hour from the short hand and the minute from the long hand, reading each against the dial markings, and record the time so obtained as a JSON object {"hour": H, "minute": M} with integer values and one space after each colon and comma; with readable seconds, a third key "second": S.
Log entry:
{"hour": 4, "minute": 56}
